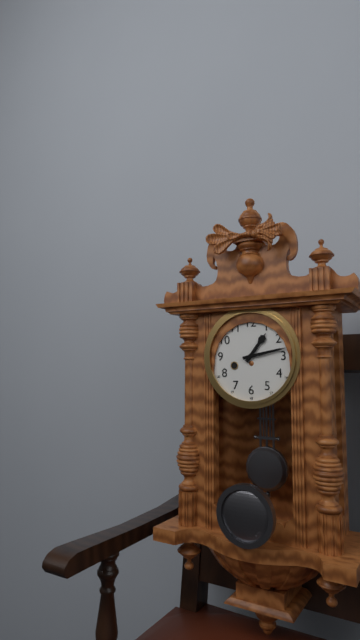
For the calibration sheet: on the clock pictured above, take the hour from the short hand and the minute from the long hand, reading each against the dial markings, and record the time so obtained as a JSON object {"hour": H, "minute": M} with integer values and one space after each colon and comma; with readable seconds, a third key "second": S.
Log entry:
{"hour": 1, "minute": 13}
